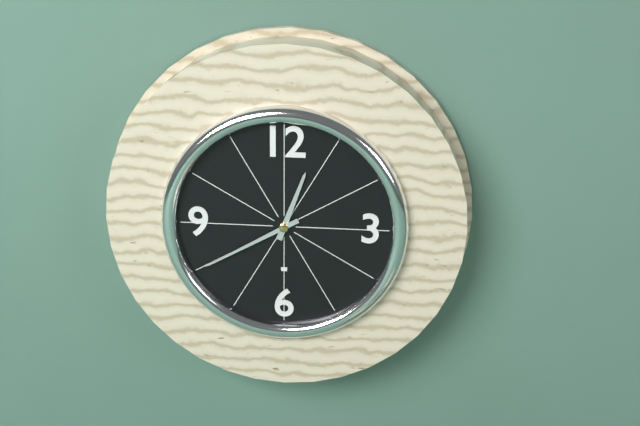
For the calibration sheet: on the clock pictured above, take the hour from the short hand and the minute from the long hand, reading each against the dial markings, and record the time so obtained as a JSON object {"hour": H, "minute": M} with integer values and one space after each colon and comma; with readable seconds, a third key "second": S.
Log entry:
{"hour": 12, "minute": 40}
